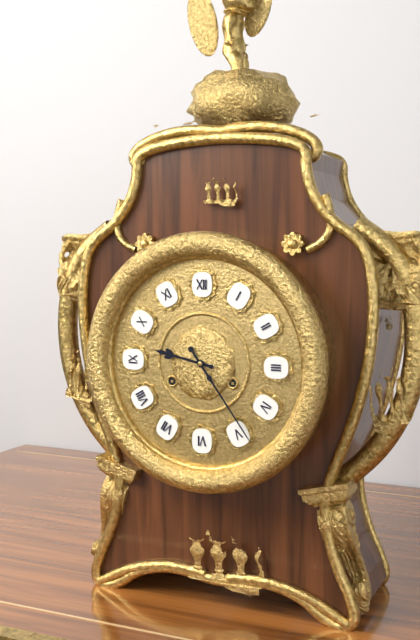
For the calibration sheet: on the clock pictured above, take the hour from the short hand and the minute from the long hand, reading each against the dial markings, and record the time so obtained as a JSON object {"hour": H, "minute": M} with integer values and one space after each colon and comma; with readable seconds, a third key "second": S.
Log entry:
{"hour": 9, "minute": 24}
